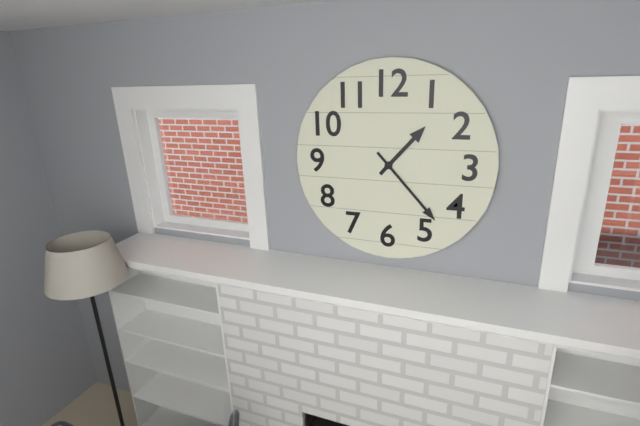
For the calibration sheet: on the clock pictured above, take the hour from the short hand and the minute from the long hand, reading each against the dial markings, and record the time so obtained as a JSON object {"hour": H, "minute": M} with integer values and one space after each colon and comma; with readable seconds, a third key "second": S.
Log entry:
{"hour": 1, "minute": 23}
